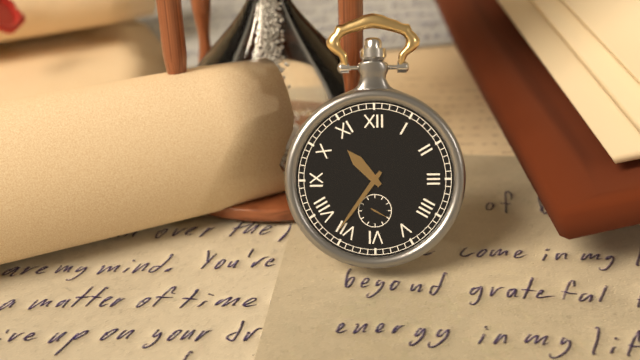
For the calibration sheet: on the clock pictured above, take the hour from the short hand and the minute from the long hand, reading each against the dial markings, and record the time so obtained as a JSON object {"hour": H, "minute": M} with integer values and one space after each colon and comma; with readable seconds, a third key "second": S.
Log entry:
{"hour": 10, "minute": 36}
